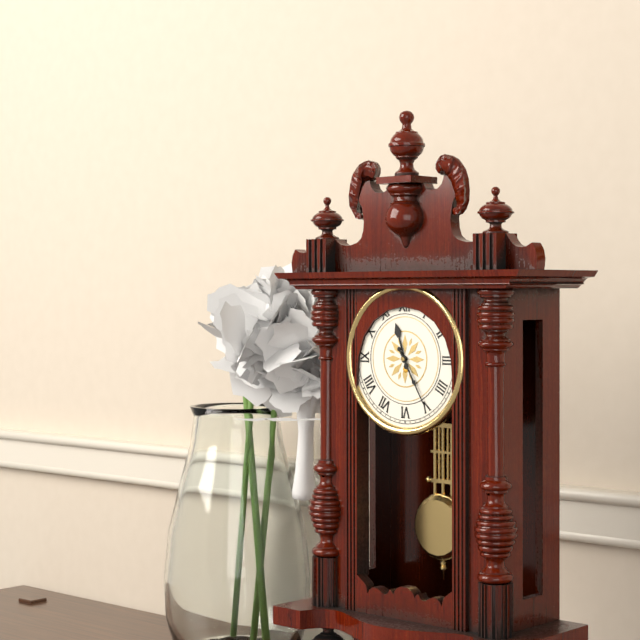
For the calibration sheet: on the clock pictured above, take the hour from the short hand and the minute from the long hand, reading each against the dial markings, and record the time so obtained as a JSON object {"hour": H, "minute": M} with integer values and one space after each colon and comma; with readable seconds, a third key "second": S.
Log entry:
{"hour": 11, "minute": 25}
